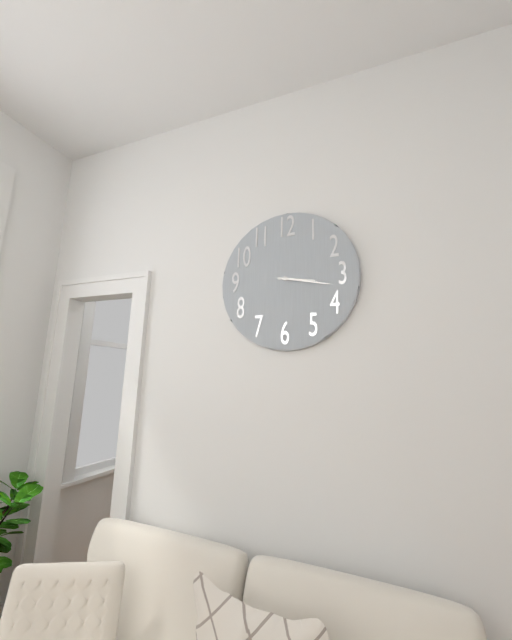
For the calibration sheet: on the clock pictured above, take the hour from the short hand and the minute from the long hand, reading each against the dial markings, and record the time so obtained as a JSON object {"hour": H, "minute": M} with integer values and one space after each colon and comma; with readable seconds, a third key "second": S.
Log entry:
{"hour": 3, "minute": 17}
